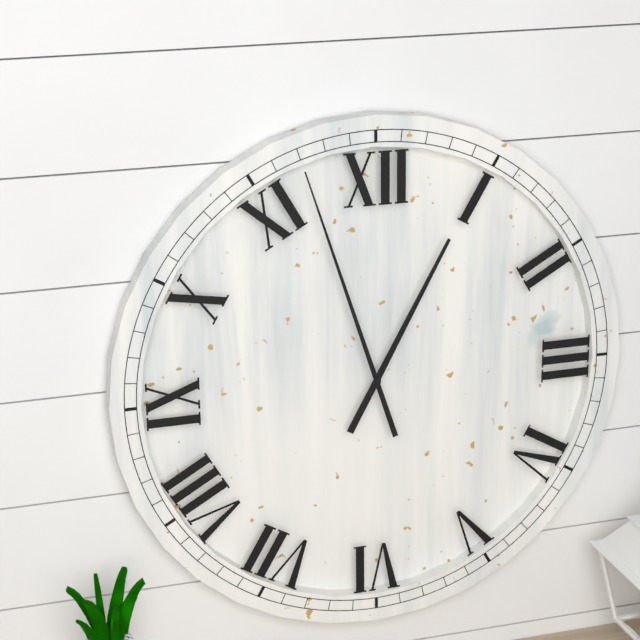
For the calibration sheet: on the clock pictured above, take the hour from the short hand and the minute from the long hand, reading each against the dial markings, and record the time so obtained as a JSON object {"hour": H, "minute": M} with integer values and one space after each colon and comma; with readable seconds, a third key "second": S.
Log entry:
{"hour": 12, "minute": 57}
